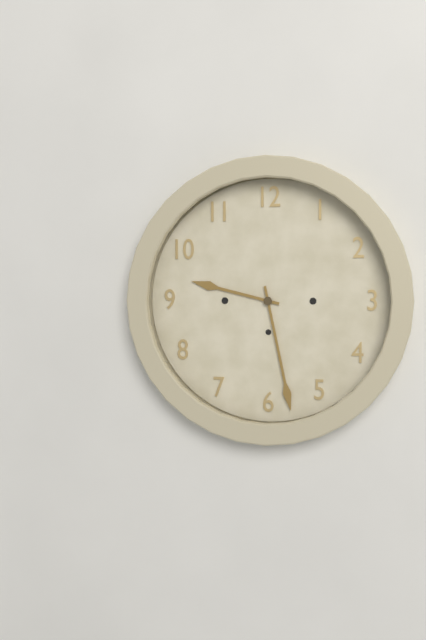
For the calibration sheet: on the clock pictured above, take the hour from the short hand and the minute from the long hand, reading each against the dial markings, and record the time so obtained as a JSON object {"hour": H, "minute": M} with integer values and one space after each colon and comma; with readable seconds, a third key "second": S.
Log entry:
{"hour": 9, "minute": 28}
